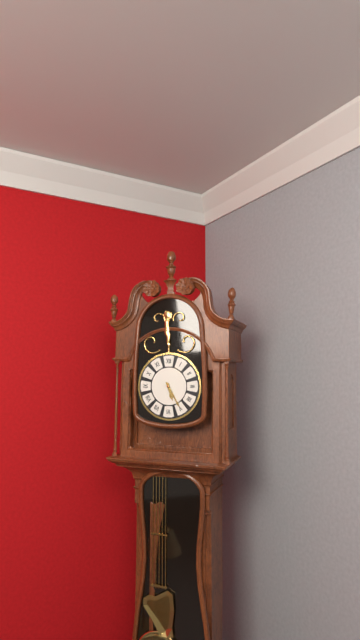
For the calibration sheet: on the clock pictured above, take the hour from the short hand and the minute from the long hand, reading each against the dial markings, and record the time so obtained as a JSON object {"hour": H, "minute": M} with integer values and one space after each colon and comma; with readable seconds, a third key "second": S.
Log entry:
{"hour": 5, "minute": 25}
